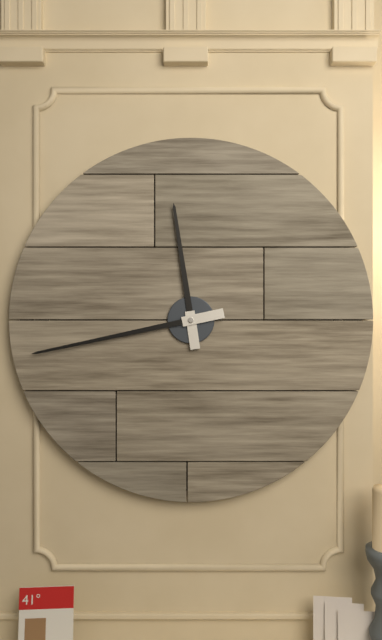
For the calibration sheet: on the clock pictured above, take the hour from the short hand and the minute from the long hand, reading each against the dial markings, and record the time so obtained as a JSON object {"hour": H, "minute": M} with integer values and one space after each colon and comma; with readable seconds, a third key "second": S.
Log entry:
{"hour": 11, "minute": 43}
